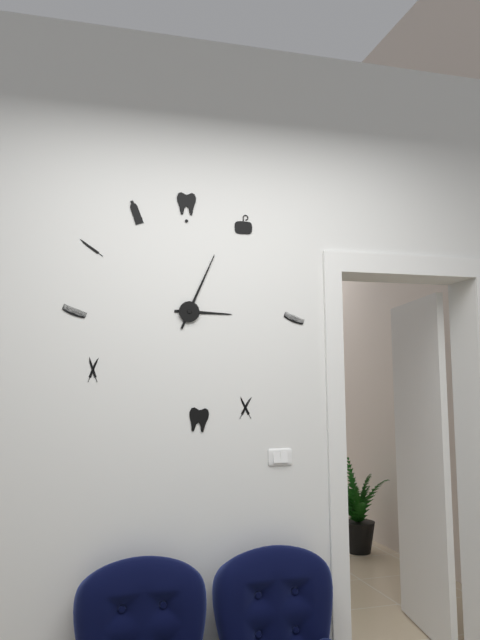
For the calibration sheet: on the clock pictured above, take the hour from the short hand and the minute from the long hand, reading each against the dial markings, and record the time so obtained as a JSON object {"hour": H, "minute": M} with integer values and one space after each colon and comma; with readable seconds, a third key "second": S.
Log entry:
{"hour": 3, "minute": 4}
